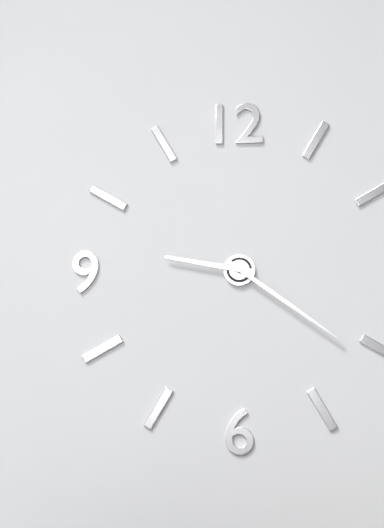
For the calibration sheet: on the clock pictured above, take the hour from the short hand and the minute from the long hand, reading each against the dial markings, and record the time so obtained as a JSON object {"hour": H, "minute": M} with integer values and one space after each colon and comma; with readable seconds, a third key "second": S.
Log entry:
{"hour": 9, "minute": 21}
